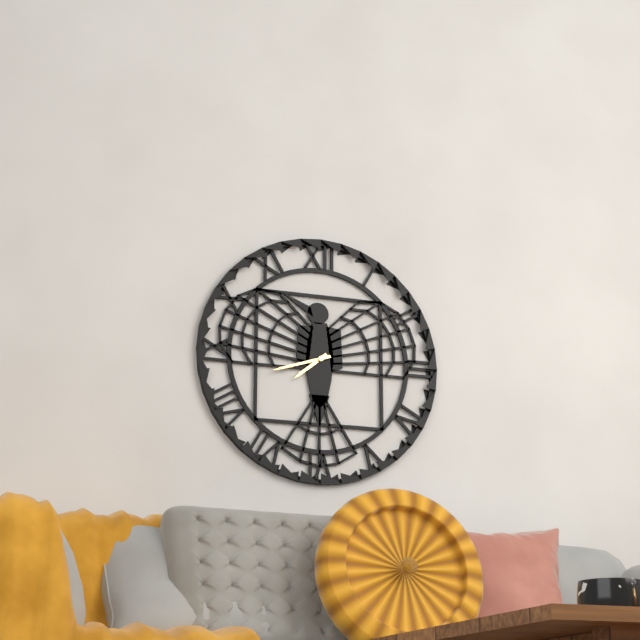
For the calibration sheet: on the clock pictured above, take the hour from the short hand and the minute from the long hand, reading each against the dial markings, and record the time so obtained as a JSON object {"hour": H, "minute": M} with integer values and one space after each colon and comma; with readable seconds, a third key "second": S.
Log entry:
{"hour": 7, "minute": 42}
